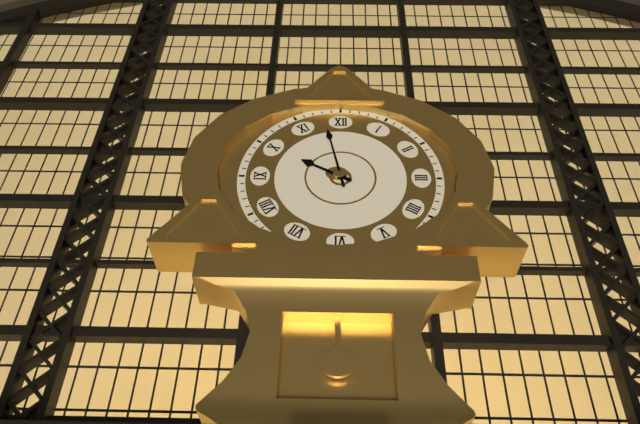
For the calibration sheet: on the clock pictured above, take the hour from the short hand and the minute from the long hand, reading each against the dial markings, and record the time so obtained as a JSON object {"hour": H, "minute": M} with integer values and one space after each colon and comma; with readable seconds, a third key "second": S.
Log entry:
{"hour": 9, "minute": 58}
